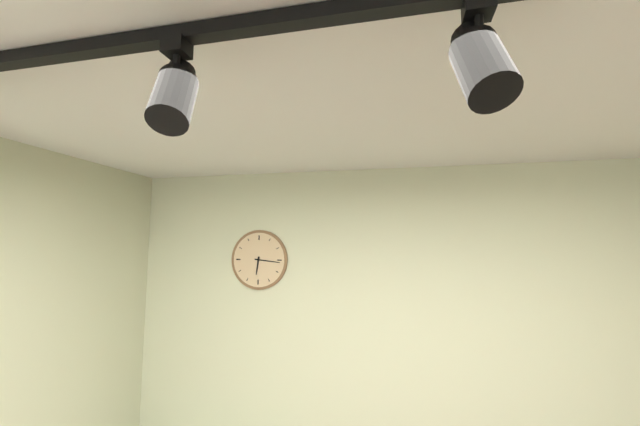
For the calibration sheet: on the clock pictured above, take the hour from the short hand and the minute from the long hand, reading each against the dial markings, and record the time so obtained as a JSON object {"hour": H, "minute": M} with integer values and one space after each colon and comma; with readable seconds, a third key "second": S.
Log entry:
{"hour": 6, "minute": 16}
